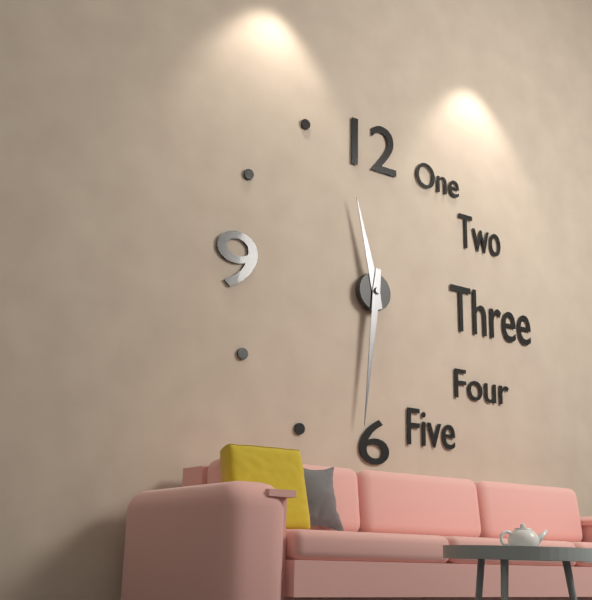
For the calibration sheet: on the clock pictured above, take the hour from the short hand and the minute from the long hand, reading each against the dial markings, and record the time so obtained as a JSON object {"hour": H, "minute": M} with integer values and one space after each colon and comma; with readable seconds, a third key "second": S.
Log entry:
{"hour": 11, "minute": 31}
